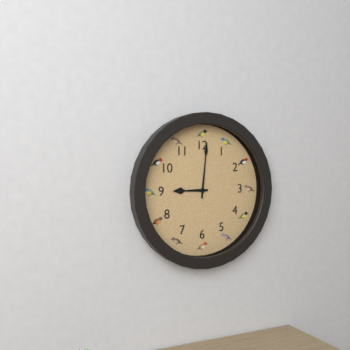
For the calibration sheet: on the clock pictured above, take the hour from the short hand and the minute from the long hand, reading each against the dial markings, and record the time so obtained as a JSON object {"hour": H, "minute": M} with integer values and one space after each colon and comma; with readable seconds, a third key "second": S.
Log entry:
{"hour": 9, "minute": 1}
